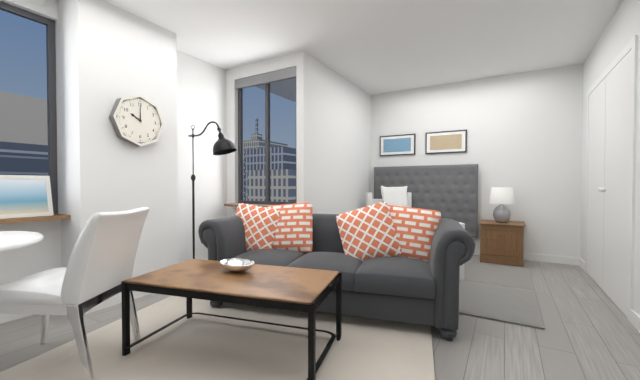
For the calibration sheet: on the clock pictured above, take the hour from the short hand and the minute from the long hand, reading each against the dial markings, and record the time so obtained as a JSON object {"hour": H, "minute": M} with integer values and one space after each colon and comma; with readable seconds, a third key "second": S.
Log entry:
{"hour": 10, "minute": 0}
